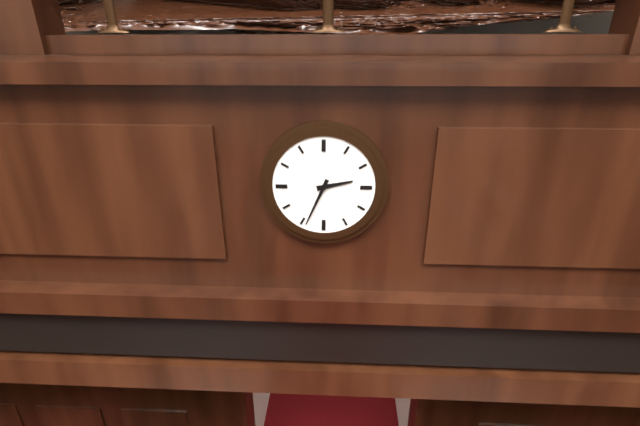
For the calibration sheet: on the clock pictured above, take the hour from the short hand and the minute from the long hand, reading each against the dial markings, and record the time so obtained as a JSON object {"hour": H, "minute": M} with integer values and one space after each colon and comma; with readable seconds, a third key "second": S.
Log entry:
{"hour": 2, "minute": 34}
